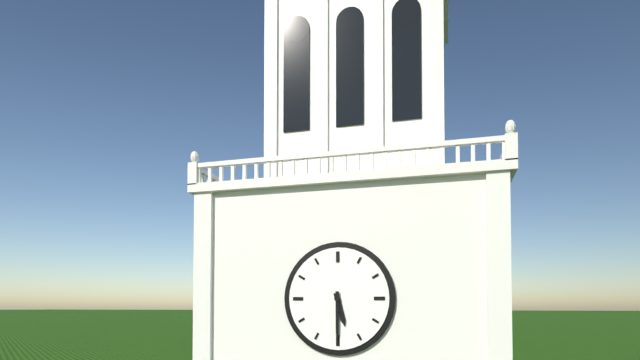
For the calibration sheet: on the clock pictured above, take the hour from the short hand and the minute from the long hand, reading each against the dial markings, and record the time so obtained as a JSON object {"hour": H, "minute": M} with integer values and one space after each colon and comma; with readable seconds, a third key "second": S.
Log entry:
{"hour": 5, "minute": 30}
